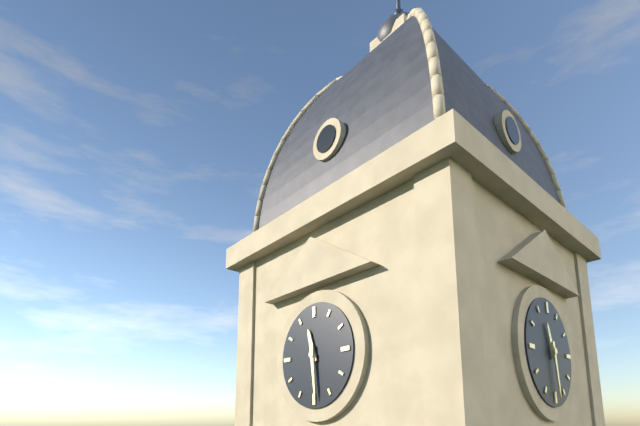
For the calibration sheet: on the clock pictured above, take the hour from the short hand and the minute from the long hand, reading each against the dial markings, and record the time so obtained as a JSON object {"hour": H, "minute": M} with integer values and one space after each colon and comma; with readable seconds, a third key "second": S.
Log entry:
{"hour": 11, "minute": 29}
